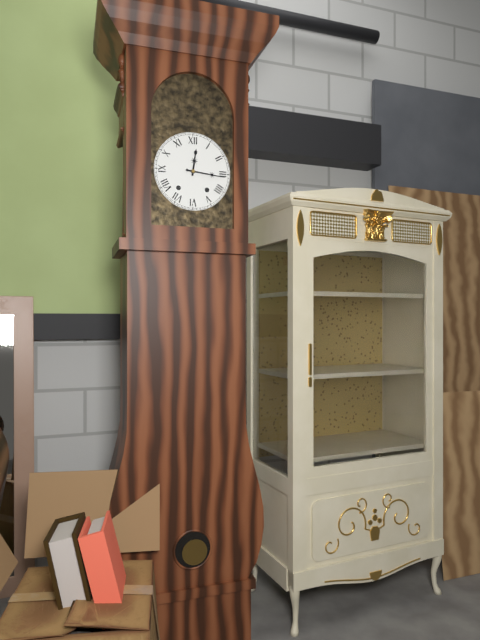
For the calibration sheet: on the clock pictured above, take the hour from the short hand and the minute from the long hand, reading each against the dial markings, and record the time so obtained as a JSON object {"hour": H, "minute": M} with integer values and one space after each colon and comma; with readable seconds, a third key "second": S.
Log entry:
{"hour": 12, "minute": 16}
